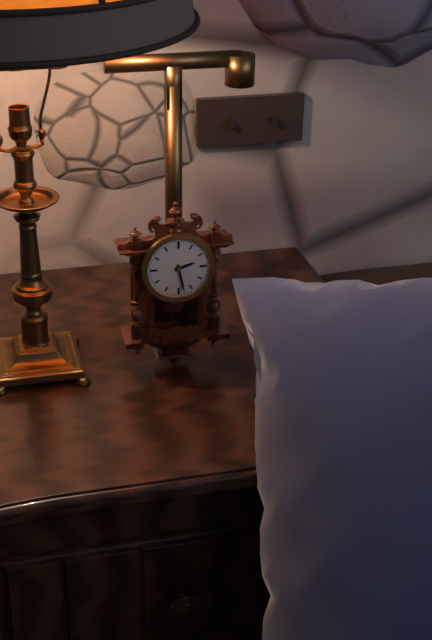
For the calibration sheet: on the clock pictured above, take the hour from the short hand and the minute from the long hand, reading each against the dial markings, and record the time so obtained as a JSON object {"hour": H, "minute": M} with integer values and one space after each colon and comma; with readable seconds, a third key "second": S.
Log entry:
{"hour": 2, "minute": 28}
